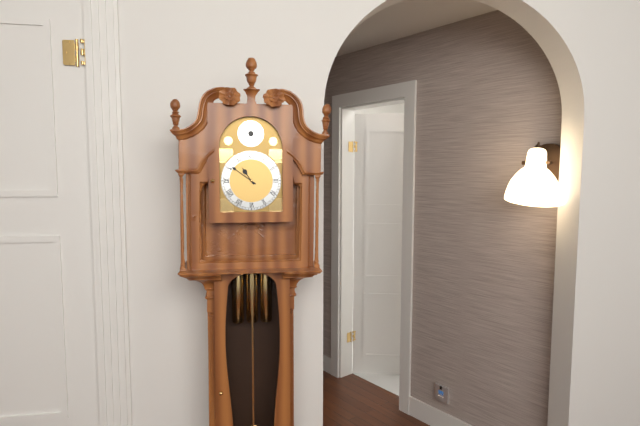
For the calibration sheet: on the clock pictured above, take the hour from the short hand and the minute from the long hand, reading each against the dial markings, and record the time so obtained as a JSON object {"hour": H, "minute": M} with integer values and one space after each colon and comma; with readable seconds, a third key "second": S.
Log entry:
{"hour": 10, "minute": 51}
